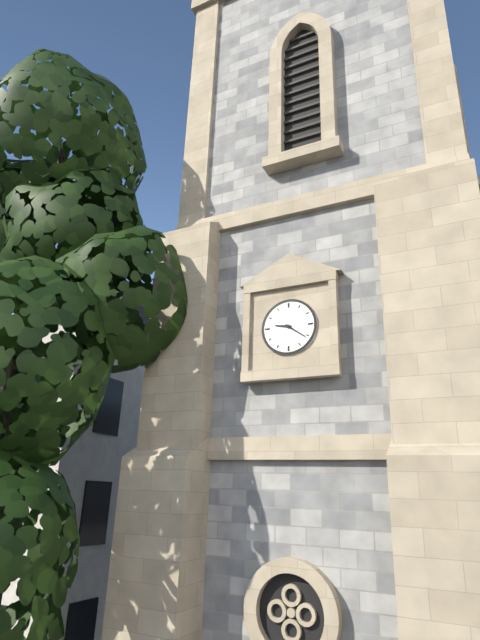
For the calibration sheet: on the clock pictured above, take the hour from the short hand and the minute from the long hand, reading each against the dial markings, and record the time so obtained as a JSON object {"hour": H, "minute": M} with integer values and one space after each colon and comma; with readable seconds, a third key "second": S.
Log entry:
{"hour": 9, "minute": 21}
